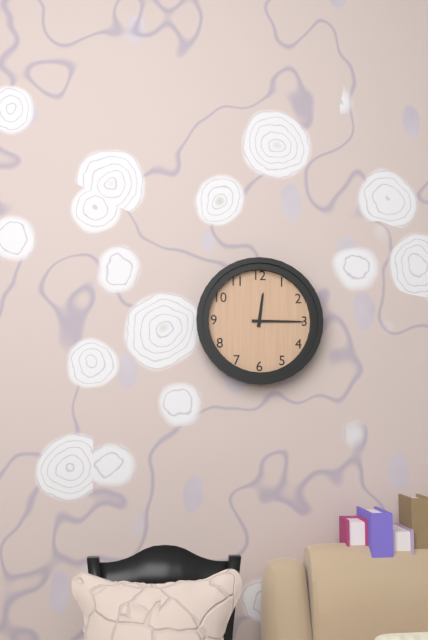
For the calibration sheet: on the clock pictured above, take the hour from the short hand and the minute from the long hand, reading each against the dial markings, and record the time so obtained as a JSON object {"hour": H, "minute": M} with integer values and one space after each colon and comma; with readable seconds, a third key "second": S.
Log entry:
{"hour": 12, "minute": 15}
